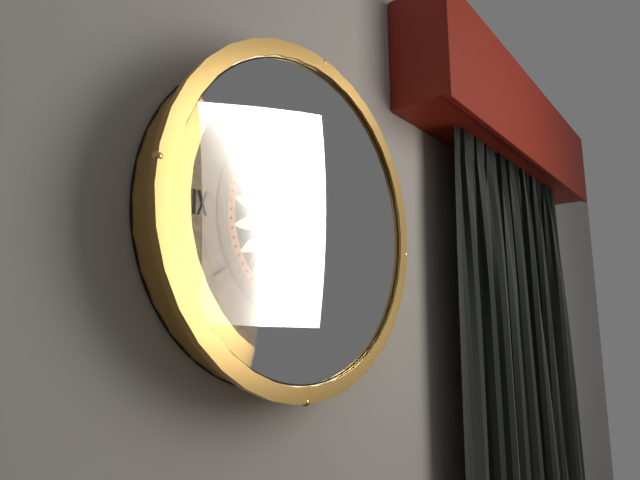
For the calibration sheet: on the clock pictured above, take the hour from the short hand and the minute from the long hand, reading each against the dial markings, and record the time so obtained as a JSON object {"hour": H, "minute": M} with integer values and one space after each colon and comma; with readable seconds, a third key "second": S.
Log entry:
{"hour": 7, "minute": 19}
